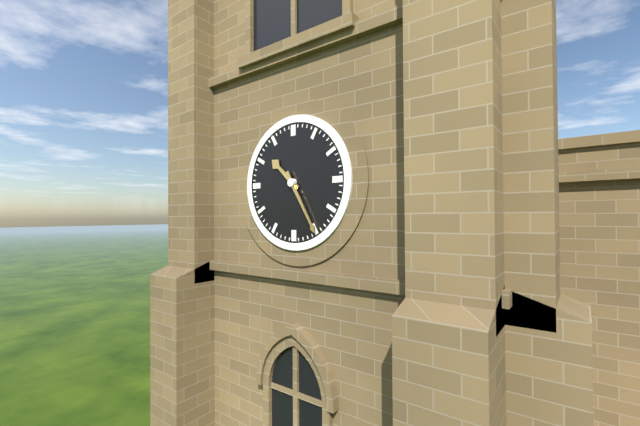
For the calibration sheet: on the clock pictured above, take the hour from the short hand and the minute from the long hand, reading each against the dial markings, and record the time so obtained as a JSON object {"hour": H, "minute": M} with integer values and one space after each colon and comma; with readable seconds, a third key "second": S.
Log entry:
{"hour": 10, "minute": 25}
